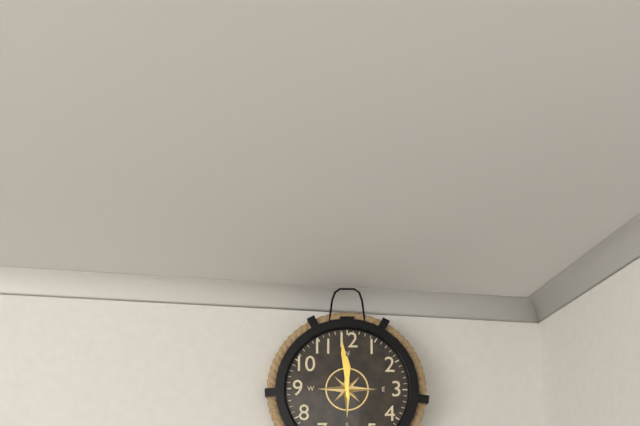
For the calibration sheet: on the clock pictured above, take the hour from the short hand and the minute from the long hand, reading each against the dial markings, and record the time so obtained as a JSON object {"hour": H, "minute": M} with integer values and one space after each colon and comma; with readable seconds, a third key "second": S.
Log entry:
{"hour": 11, "minute": 59}
